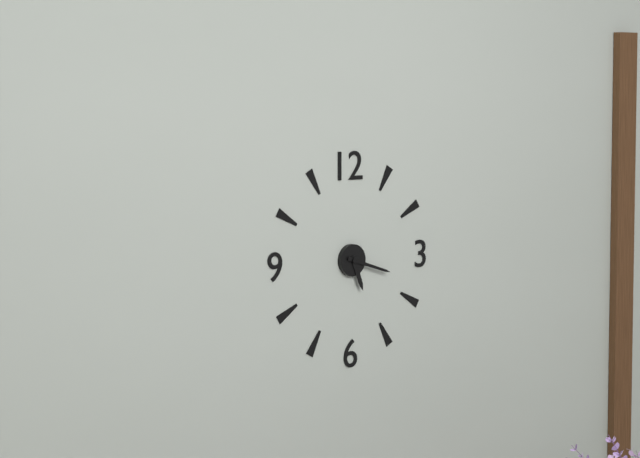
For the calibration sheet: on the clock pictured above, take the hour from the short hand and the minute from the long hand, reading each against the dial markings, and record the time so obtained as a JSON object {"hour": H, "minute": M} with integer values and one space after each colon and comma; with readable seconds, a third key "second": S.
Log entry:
{"hour": 5, "minute": 18}
